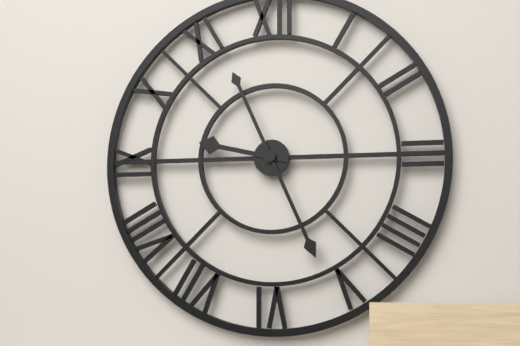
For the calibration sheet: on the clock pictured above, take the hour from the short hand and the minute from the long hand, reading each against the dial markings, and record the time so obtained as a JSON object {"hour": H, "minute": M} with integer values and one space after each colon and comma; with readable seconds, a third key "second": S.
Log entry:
{"hour": 9, "minute": 26}
